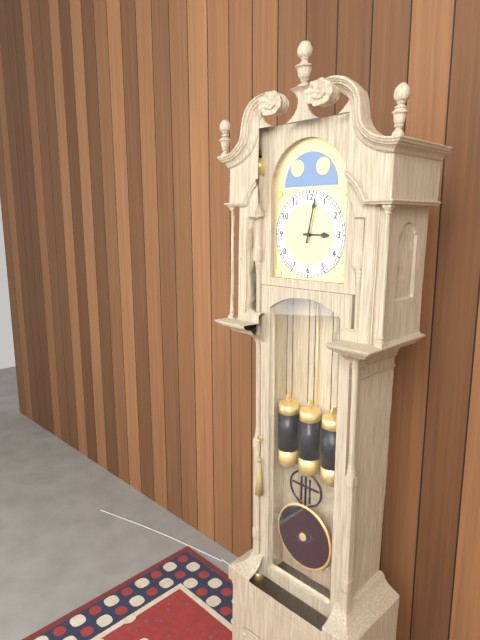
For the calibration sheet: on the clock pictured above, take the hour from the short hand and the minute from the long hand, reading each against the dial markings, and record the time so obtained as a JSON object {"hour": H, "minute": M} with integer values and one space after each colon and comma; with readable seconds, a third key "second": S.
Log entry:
{"hour": 3, "minute": 2}
